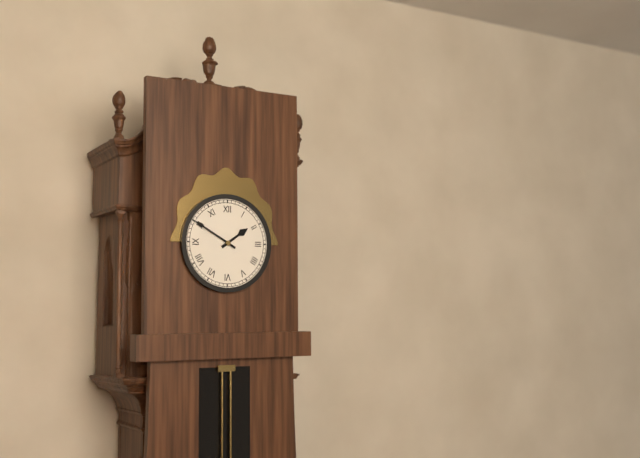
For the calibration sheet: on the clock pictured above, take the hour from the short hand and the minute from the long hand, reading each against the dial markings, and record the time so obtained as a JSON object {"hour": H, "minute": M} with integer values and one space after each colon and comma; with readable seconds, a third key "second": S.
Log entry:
{"hour": 1, "minute": 50}
